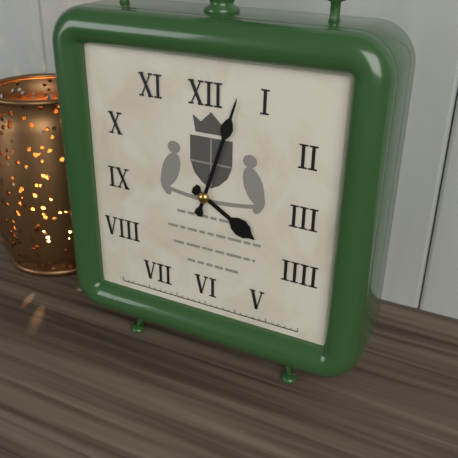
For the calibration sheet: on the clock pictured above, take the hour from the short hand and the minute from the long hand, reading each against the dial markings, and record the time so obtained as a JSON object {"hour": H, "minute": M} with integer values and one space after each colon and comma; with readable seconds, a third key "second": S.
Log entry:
{"hour": 4, "minute": 3}
